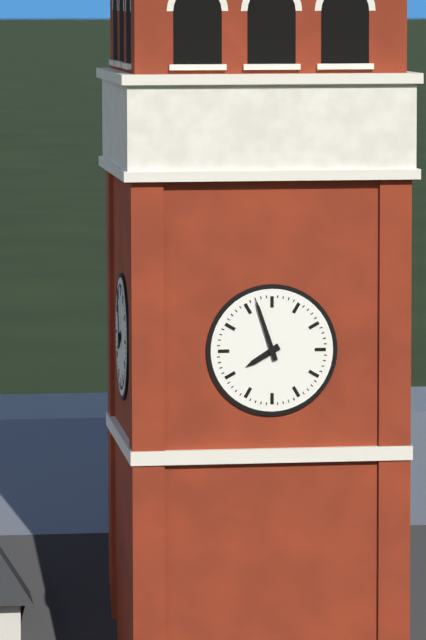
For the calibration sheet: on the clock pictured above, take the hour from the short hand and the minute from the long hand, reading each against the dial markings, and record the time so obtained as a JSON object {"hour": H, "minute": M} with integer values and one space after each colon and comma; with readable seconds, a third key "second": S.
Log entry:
{"hour": 7, "minute": 57}
